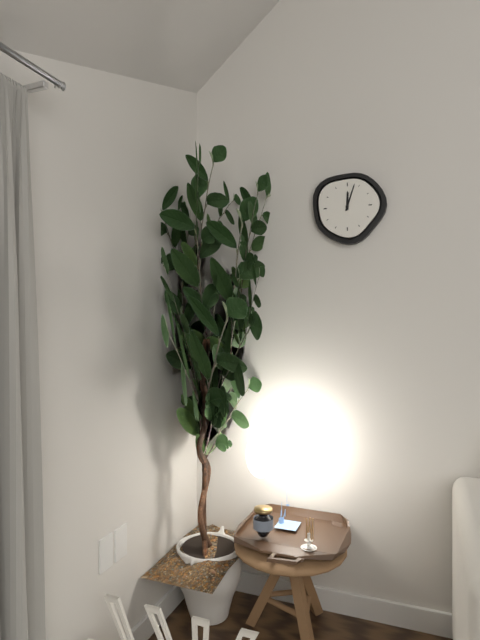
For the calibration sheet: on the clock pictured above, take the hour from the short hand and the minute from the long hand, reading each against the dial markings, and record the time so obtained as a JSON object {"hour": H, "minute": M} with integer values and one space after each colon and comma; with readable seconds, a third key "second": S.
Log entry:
{"hour": 12, "minute": 3}
